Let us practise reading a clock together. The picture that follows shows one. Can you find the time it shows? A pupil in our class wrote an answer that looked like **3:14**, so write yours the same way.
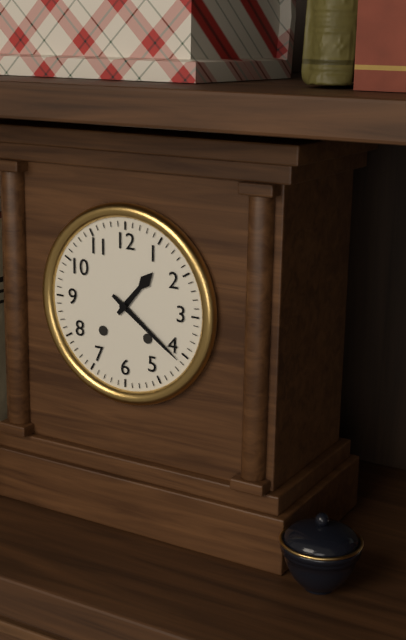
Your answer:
**1:21**
